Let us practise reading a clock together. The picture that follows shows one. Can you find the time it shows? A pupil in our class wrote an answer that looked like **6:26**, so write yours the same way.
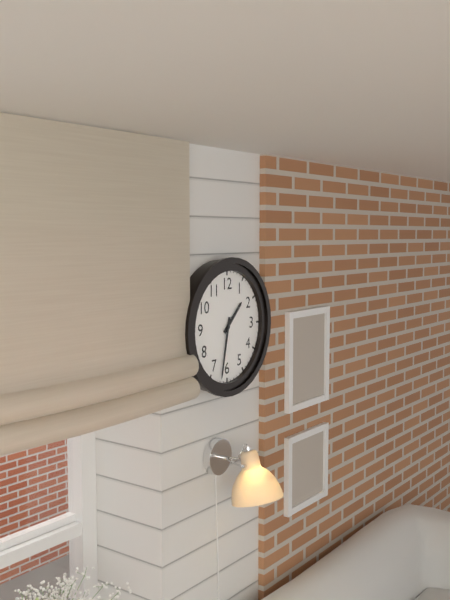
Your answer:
**1:32**
